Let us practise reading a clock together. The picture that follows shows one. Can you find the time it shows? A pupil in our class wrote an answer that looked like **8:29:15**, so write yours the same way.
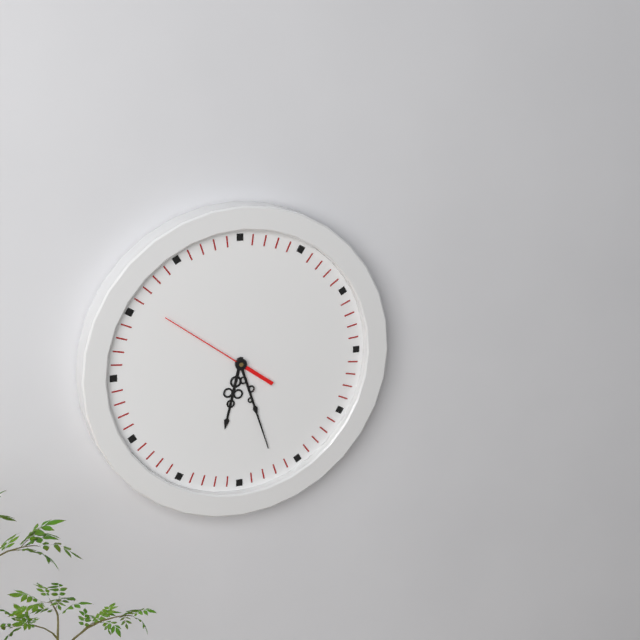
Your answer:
**6:27:51**
